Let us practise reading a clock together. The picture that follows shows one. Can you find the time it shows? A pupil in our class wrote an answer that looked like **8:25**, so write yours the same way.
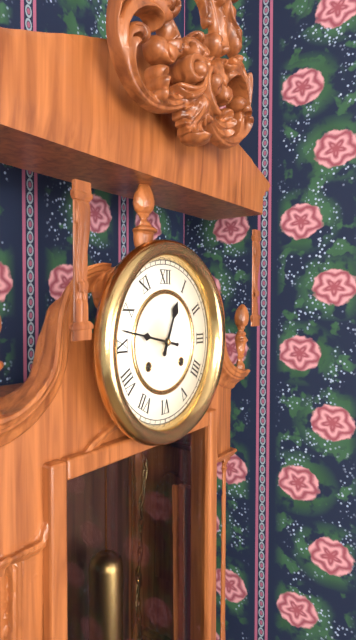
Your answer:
**12:47**
